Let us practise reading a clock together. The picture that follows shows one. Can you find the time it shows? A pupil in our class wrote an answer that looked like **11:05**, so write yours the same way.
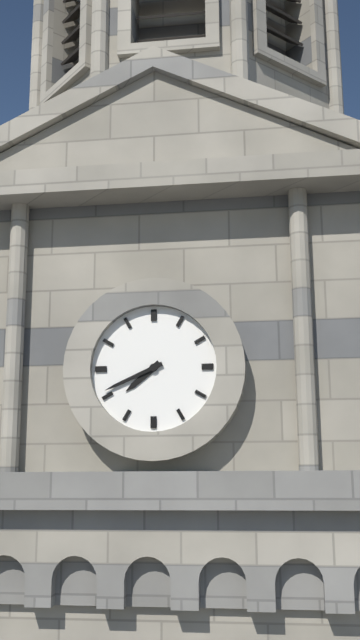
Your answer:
**7:41**
